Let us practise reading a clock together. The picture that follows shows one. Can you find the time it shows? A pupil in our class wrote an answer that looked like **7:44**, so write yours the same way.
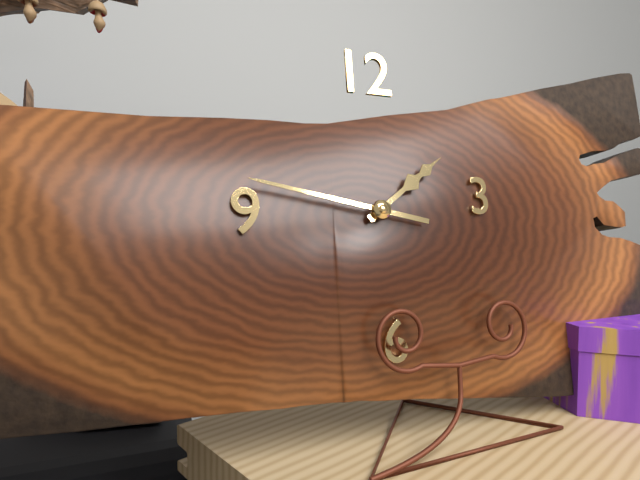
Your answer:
**1:47**
